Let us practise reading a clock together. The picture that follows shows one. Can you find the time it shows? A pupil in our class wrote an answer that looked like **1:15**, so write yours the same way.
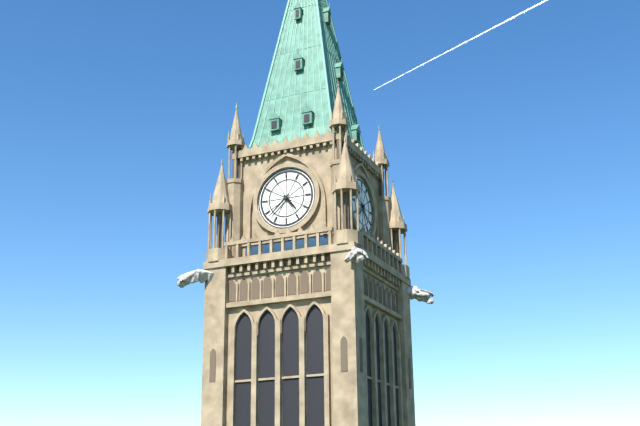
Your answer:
**4:38**
